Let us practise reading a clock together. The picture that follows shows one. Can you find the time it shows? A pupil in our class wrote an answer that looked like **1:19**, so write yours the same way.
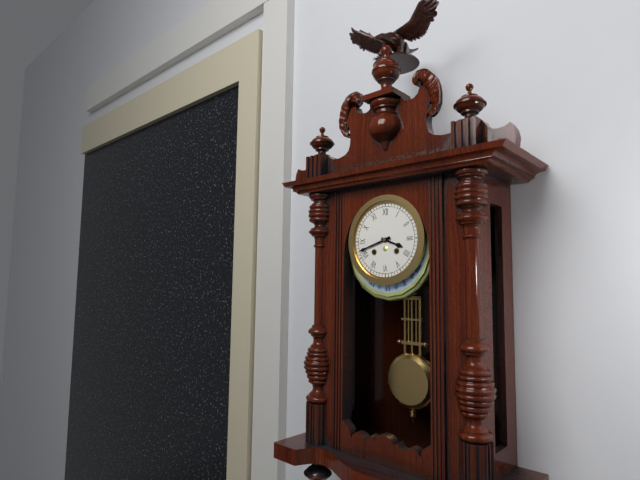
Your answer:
**3:42**
